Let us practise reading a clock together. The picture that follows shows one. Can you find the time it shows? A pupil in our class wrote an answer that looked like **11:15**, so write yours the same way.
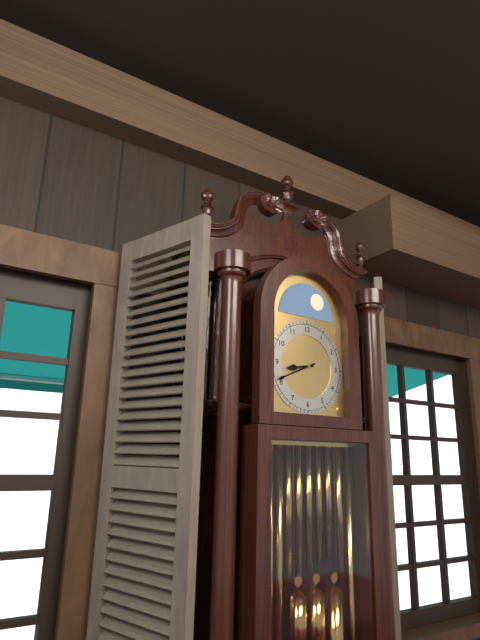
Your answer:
**8:41**
